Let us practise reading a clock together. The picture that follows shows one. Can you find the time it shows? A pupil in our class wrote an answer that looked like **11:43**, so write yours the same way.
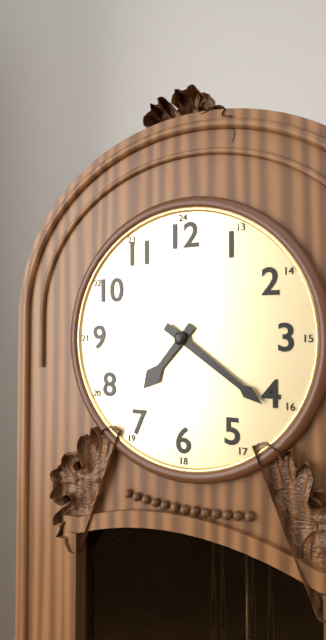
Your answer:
**7:21**
